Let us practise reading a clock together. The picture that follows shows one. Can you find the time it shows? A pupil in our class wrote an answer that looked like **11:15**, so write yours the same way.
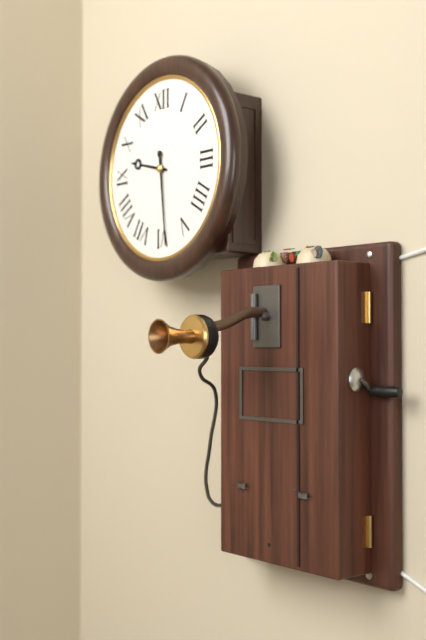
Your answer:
**9:29**
